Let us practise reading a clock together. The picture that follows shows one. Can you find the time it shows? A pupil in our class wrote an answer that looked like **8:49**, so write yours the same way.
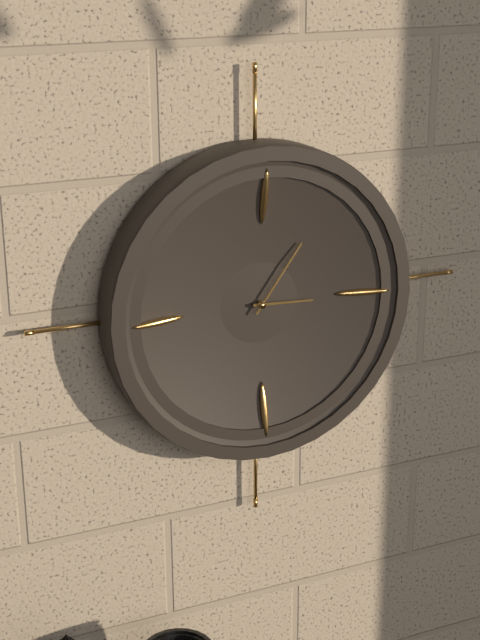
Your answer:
**3:06**
